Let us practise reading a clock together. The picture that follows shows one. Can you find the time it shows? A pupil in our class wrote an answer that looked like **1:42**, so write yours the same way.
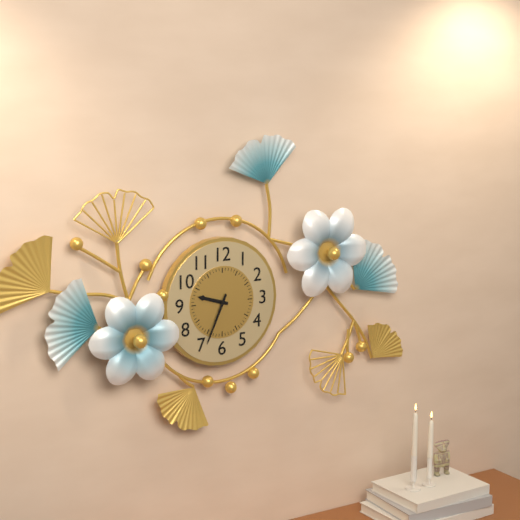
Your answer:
**9:34**
